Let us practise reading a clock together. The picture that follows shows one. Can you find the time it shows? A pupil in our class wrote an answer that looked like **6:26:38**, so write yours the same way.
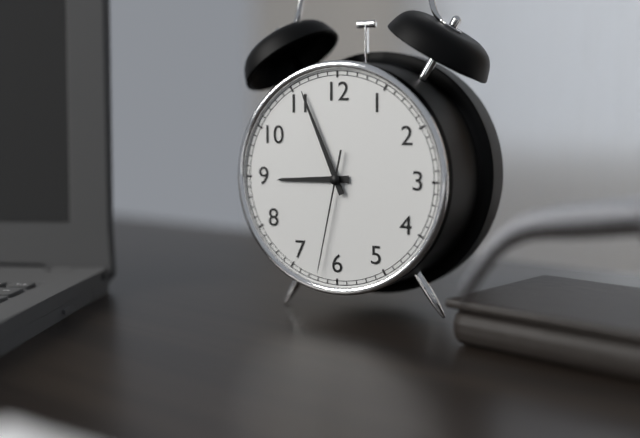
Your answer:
**8:56:32**
